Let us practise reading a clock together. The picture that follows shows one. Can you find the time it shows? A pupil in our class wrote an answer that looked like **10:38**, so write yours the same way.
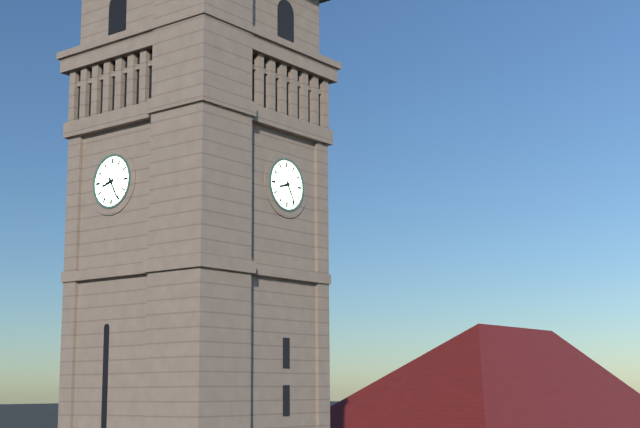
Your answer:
**8:25**
